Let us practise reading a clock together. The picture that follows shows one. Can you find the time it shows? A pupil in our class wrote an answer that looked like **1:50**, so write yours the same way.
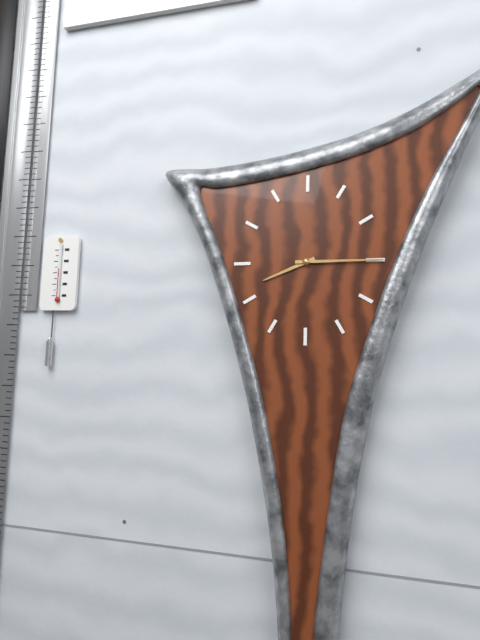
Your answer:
**8:15**
